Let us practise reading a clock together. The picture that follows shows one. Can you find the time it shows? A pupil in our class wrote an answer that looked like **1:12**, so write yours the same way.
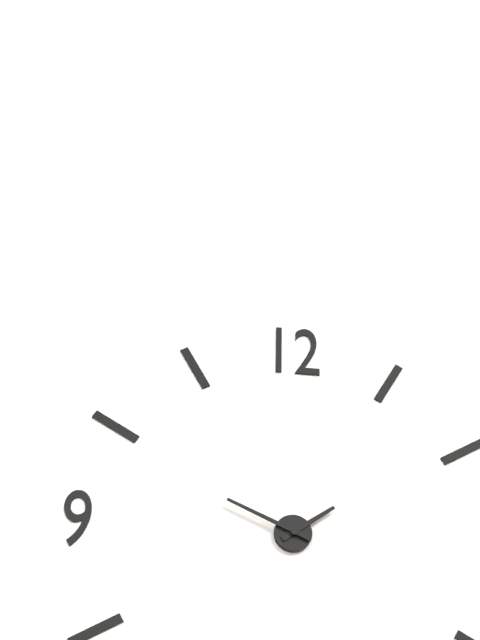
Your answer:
**1:49**
